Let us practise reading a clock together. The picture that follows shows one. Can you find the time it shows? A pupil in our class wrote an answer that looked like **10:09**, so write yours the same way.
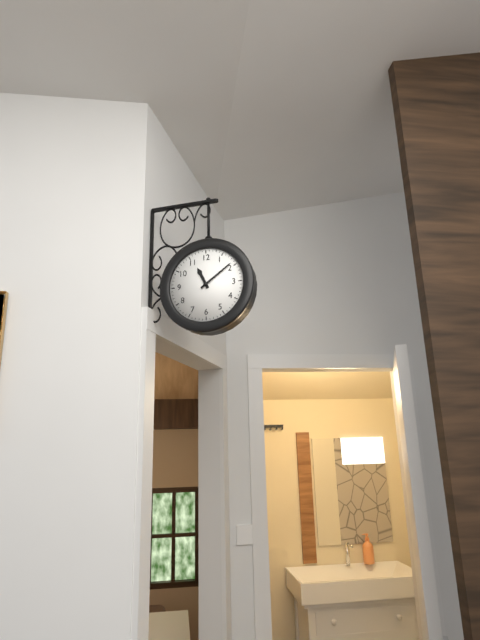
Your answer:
**11:09**
